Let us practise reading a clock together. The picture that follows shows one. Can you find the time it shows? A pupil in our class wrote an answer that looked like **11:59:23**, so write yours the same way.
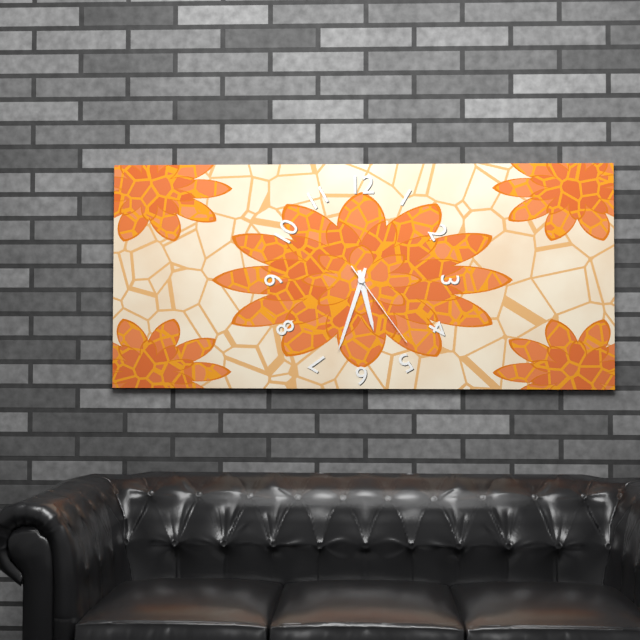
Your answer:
**5:33:24**
